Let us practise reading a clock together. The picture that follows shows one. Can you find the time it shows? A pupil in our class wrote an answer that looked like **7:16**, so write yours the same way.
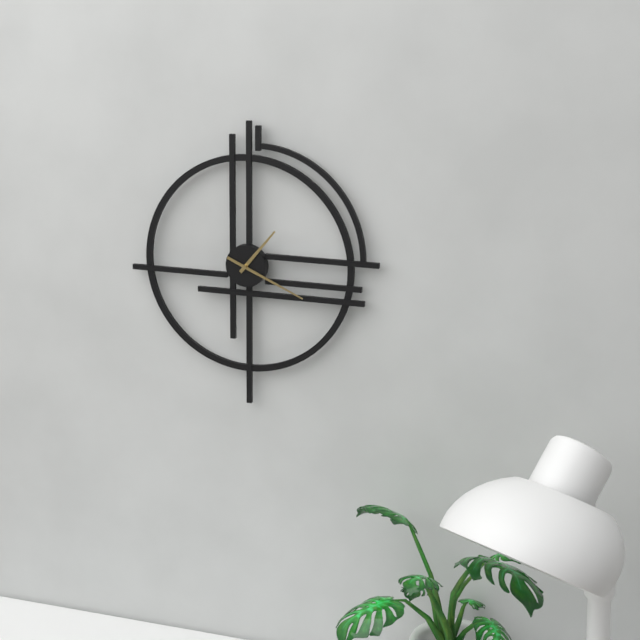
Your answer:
**1:19**
